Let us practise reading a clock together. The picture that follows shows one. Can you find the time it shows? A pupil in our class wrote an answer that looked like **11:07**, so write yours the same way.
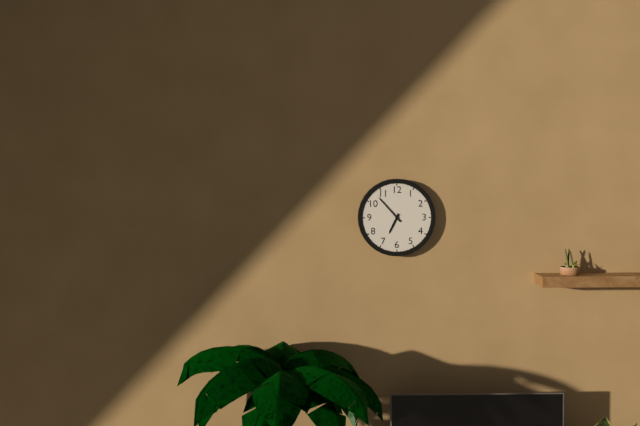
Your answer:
**6:53**
